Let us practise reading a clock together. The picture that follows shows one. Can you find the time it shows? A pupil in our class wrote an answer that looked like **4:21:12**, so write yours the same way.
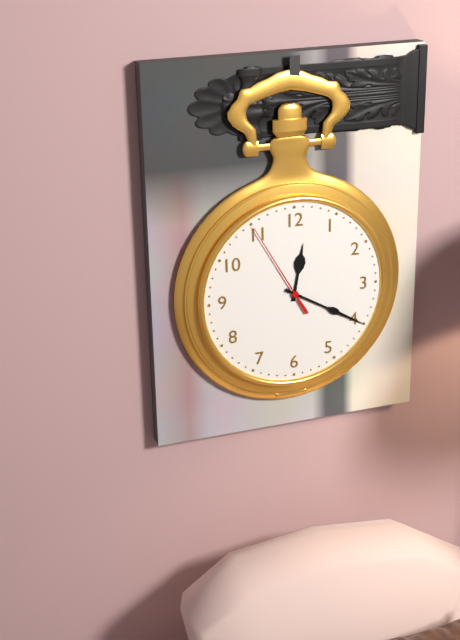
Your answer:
**12:20:55**
